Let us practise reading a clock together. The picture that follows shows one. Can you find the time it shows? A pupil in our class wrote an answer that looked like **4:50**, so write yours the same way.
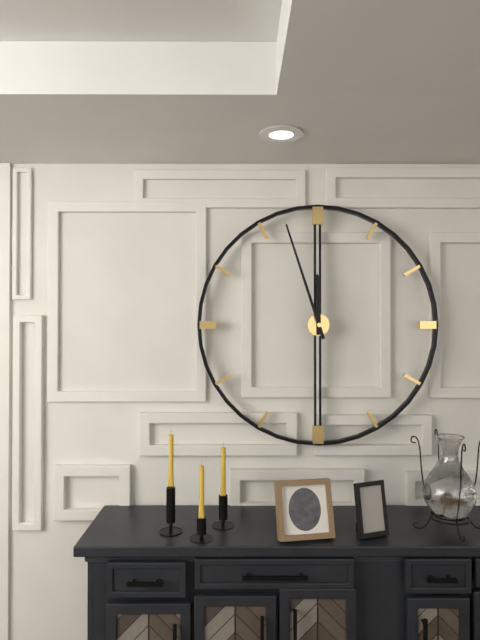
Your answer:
**11:57**
